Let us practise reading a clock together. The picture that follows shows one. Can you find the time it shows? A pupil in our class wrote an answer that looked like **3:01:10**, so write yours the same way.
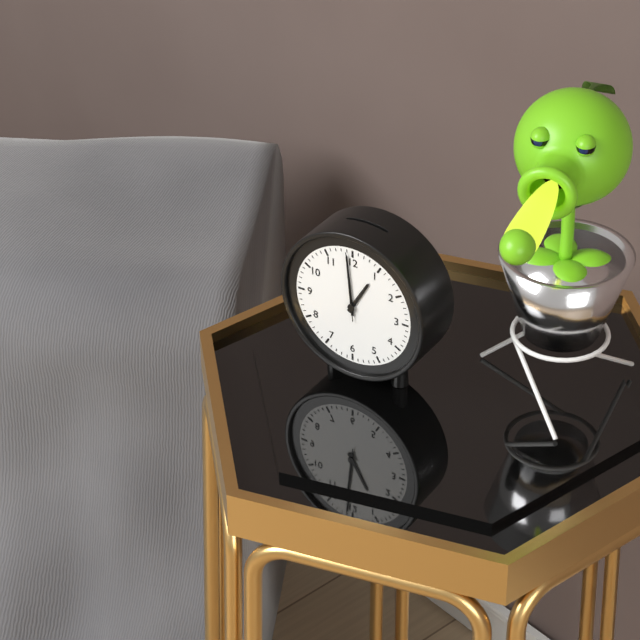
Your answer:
**12:59:59**
